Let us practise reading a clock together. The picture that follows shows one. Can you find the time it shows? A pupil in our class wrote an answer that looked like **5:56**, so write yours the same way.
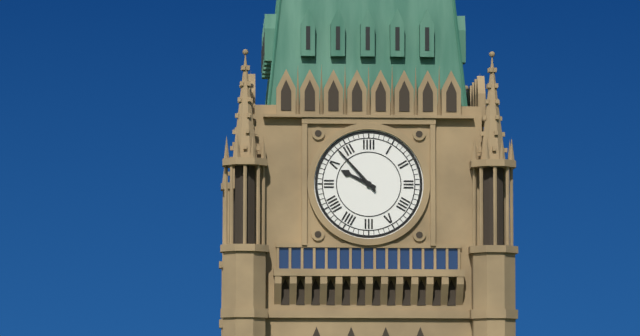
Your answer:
**9:53**
